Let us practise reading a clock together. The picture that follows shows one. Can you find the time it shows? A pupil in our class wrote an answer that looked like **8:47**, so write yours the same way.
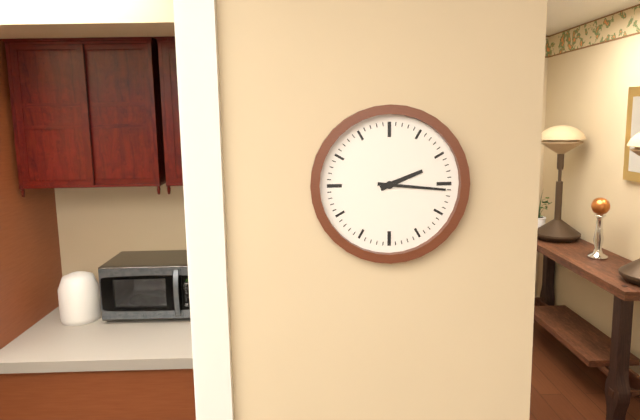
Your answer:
**2:16**
